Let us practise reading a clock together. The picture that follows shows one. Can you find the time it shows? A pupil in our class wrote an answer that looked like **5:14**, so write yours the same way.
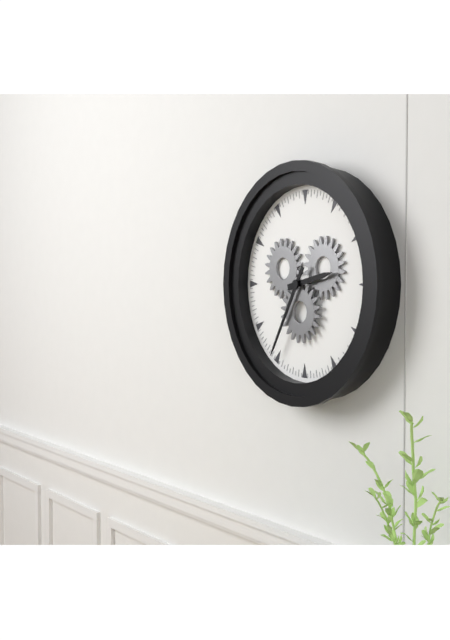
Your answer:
**2:35**
